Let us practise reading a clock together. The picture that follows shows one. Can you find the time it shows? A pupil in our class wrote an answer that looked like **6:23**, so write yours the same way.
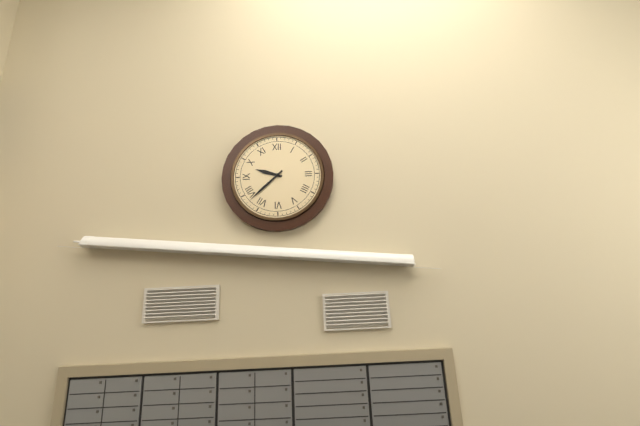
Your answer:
**9:38**
